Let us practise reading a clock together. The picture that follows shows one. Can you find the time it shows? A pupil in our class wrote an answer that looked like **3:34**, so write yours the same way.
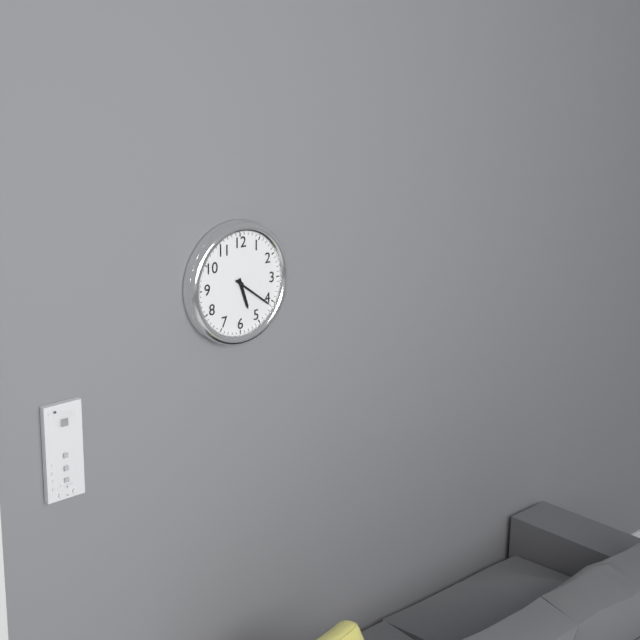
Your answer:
**5:21**
